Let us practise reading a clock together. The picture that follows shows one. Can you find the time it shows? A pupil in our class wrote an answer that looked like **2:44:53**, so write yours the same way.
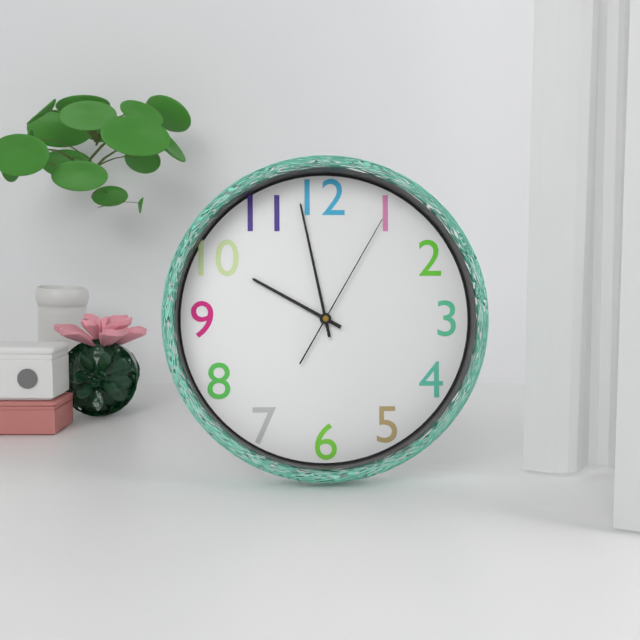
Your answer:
**9:58:05**
